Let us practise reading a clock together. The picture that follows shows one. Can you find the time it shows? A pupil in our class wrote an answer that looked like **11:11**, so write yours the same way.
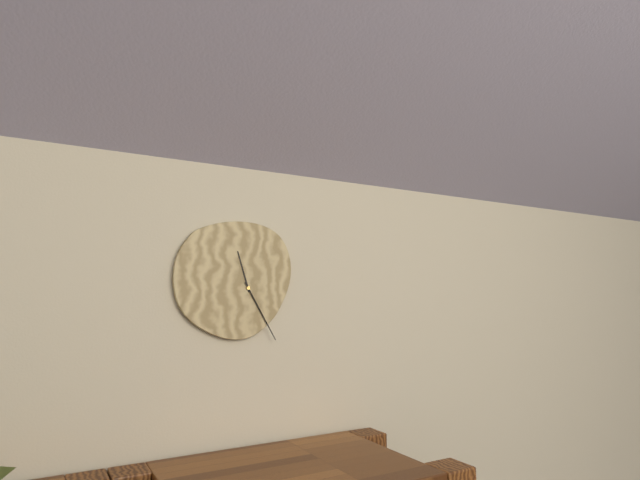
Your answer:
**11:25**
